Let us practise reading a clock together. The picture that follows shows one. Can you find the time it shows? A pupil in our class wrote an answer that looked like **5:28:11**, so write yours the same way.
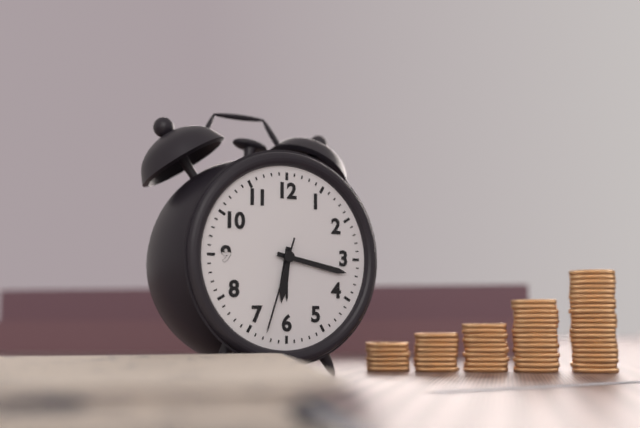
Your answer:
**6:17:33**
